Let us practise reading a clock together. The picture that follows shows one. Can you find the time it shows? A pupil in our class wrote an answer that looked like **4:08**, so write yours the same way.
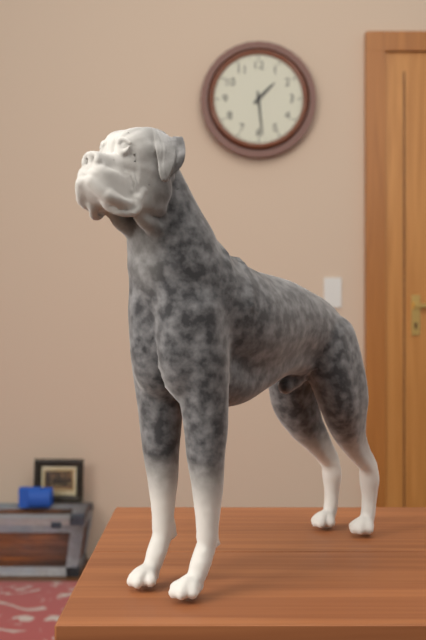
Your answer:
**1:29**
